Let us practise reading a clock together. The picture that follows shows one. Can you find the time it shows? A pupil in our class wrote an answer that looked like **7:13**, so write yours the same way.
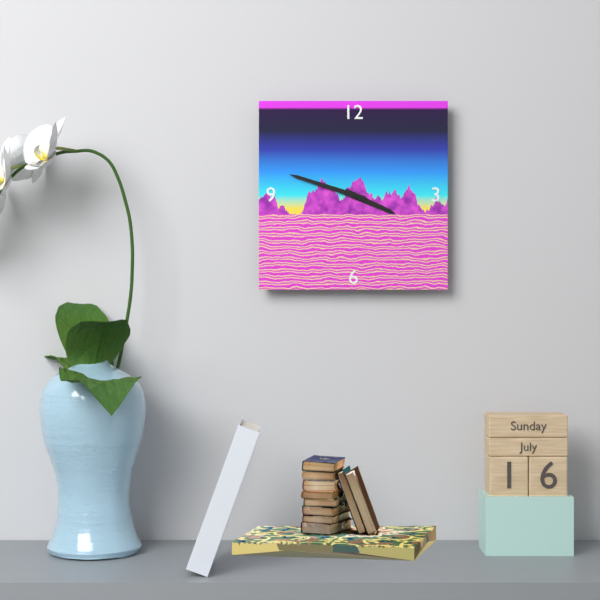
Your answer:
**3:48**
